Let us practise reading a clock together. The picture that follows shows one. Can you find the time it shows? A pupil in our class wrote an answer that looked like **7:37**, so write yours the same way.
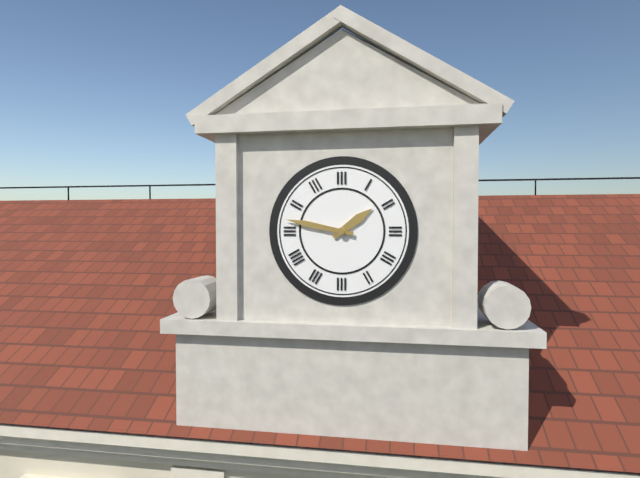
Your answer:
**1:47**
